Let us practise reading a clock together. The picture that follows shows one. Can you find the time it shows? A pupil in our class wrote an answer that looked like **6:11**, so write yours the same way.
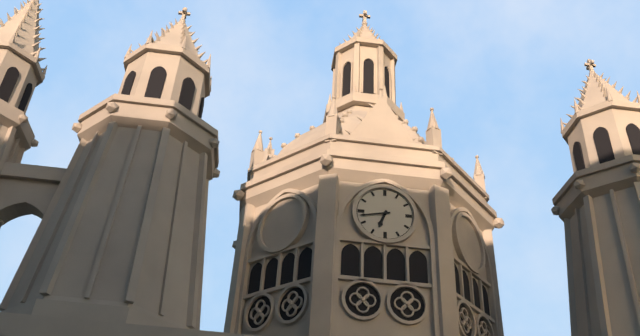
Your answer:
**6:43**
